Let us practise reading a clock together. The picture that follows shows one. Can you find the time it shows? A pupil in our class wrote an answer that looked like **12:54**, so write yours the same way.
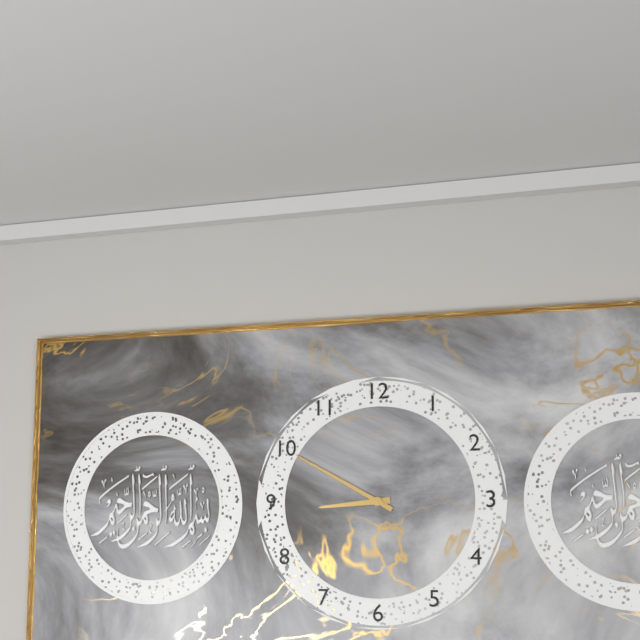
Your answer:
**8:50**
